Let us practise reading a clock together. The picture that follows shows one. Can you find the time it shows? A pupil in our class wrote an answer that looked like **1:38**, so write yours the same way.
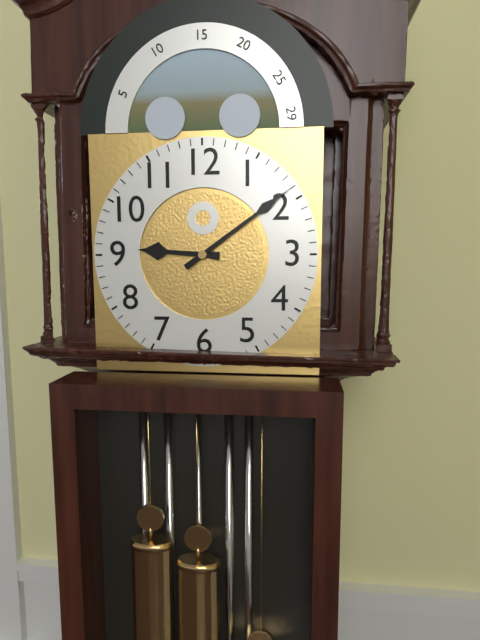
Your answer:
**9:09**
